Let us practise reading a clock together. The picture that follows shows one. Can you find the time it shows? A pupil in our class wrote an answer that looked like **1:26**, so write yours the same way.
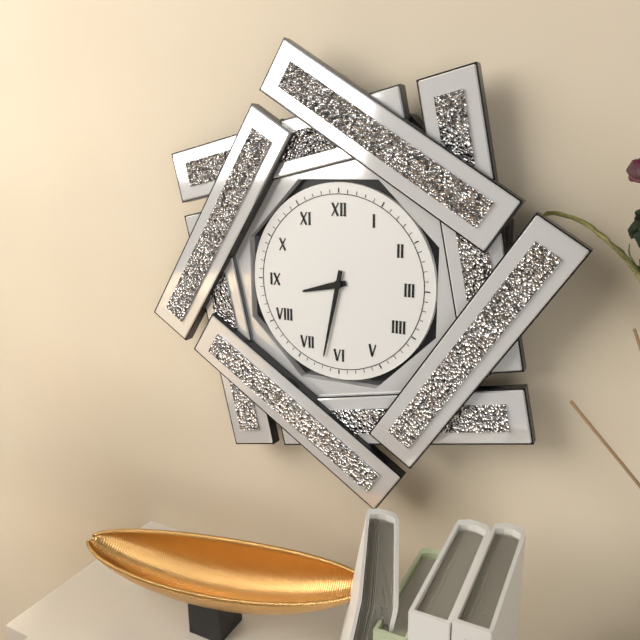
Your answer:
**8:32**
